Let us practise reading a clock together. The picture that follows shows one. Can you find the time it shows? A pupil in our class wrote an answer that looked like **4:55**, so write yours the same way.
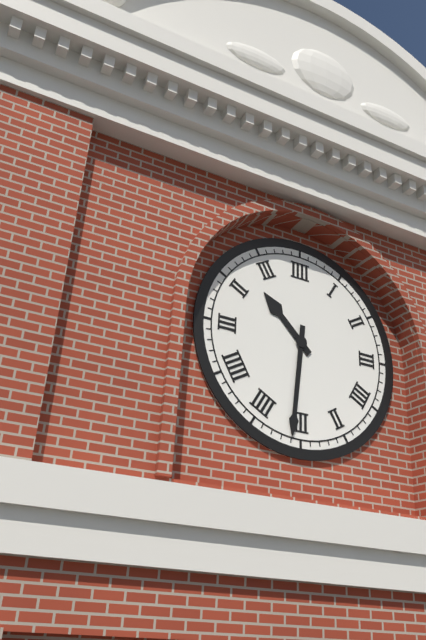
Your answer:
**10:31**
